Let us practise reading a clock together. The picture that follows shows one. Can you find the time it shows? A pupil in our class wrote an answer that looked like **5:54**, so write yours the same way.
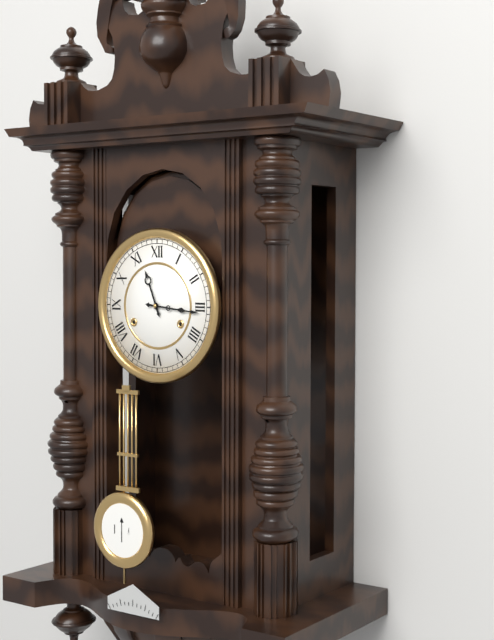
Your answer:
**11:16**
